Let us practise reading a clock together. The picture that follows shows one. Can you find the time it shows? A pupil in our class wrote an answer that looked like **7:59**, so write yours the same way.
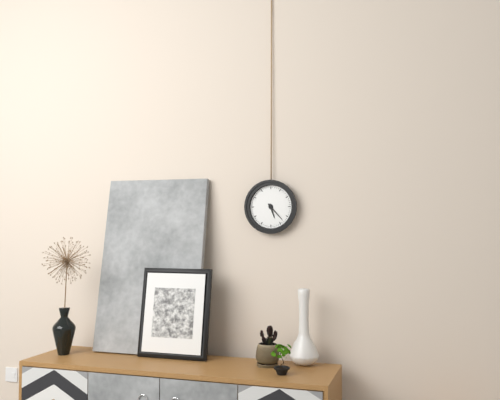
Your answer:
**5:23**
